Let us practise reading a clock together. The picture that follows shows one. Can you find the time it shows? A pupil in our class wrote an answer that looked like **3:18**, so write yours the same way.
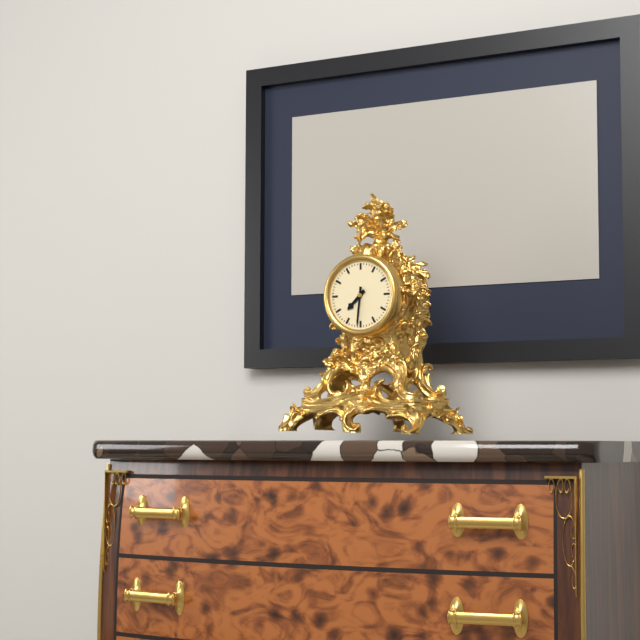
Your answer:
**7:31**
